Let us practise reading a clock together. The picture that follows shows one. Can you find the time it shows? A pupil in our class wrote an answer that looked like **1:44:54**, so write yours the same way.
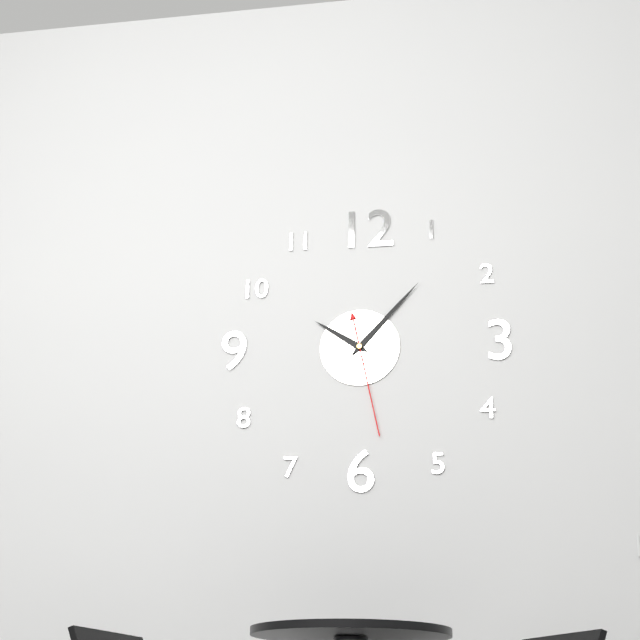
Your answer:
**10:07:28**
